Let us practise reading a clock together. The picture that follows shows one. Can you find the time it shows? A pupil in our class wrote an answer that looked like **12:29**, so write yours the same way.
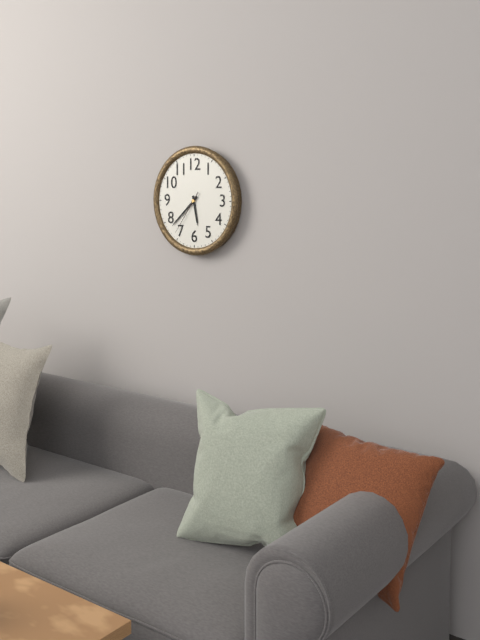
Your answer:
**5:38**
